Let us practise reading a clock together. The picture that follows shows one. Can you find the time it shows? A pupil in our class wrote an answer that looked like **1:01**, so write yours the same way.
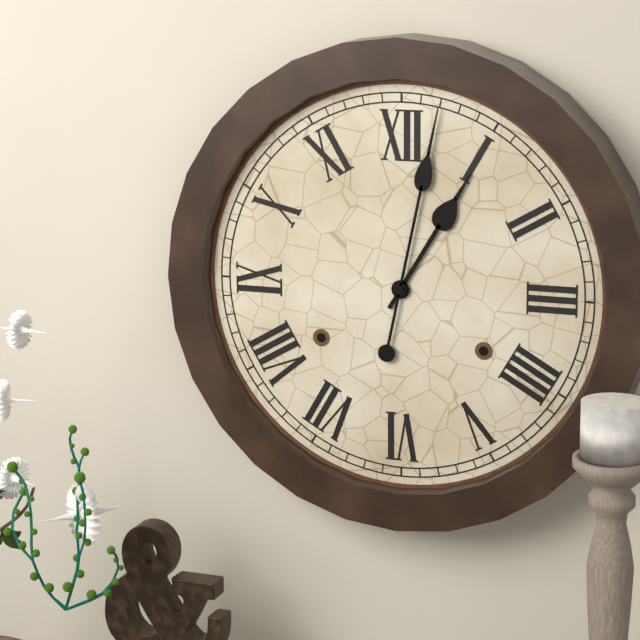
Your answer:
**1:02**
